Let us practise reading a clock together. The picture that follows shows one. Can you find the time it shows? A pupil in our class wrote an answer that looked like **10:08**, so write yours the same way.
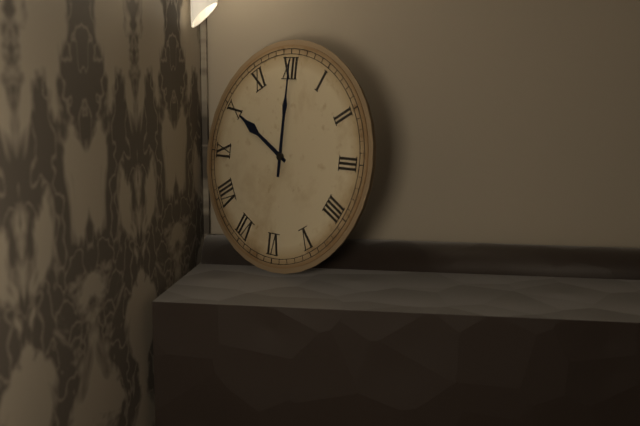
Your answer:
**10:00**
